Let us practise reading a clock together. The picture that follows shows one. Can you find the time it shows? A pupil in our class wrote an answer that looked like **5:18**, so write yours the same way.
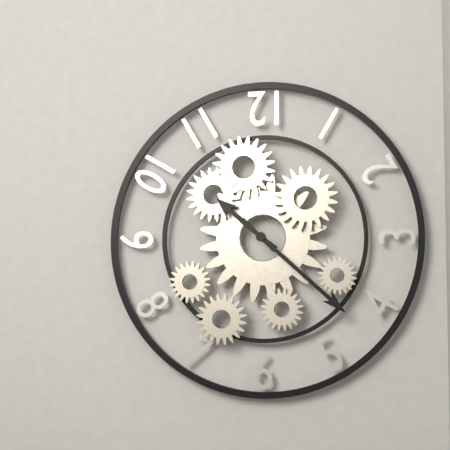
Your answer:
**10:22**
